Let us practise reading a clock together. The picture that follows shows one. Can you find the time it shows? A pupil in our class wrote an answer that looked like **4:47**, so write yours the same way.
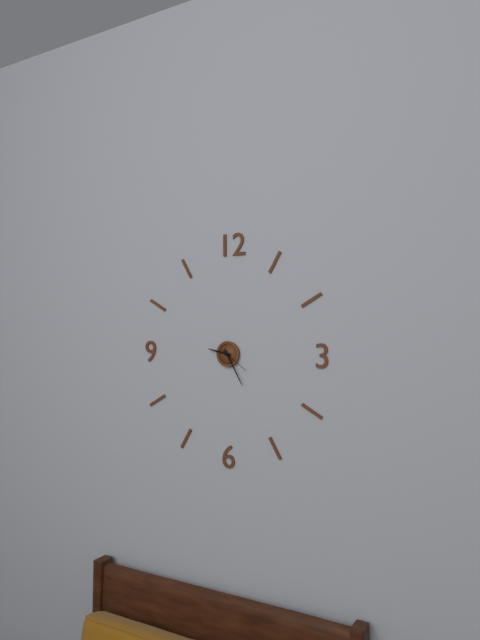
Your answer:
**9:25**
